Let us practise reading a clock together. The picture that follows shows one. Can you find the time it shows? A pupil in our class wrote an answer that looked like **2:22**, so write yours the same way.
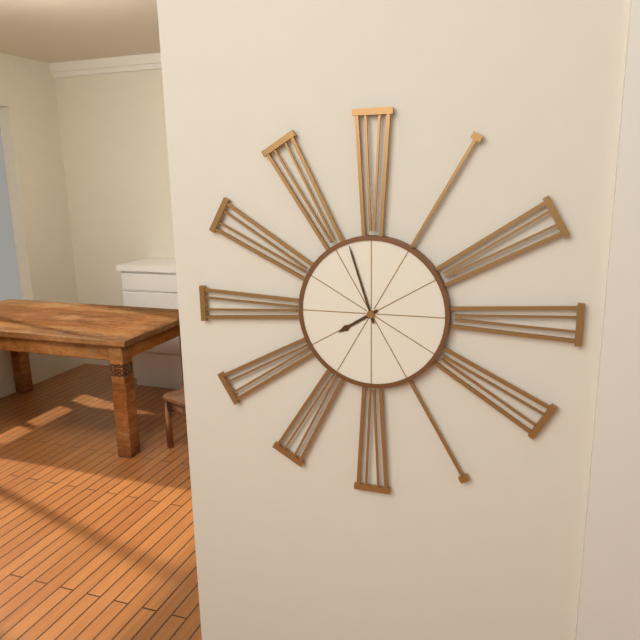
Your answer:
**7:57**
